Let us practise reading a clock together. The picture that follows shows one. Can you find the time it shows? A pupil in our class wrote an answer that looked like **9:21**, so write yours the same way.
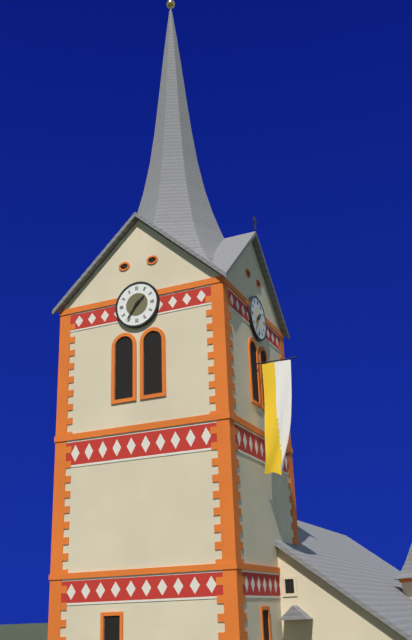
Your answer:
**1:36**
